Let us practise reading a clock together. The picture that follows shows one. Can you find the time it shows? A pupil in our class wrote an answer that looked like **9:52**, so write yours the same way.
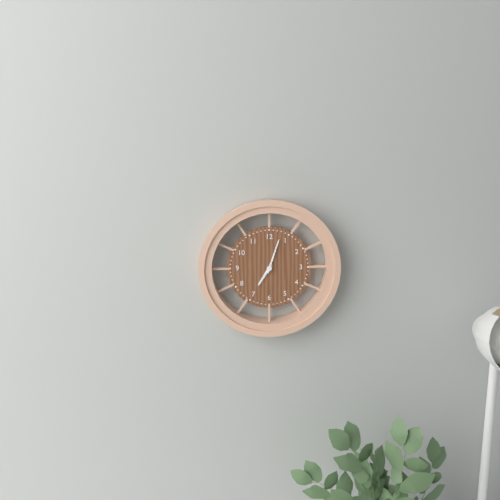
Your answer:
**7:03**
